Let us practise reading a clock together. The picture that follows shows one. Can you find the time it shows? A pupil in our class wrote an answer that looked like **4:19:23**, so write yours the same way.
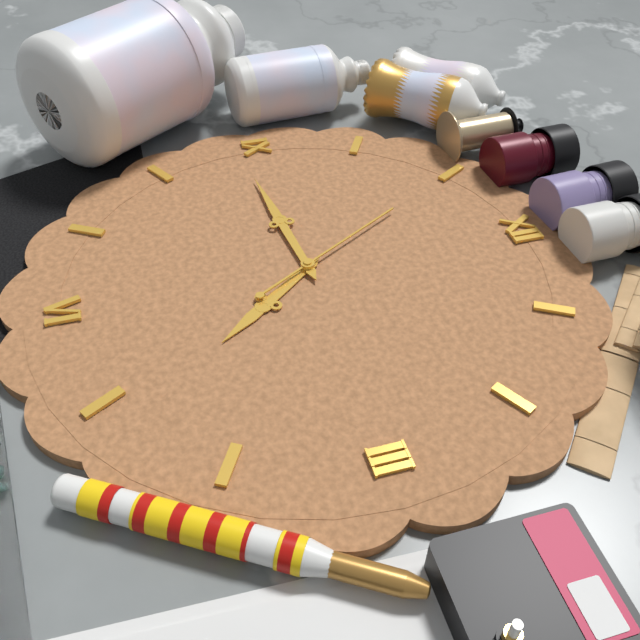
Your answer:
**4:44:55**
